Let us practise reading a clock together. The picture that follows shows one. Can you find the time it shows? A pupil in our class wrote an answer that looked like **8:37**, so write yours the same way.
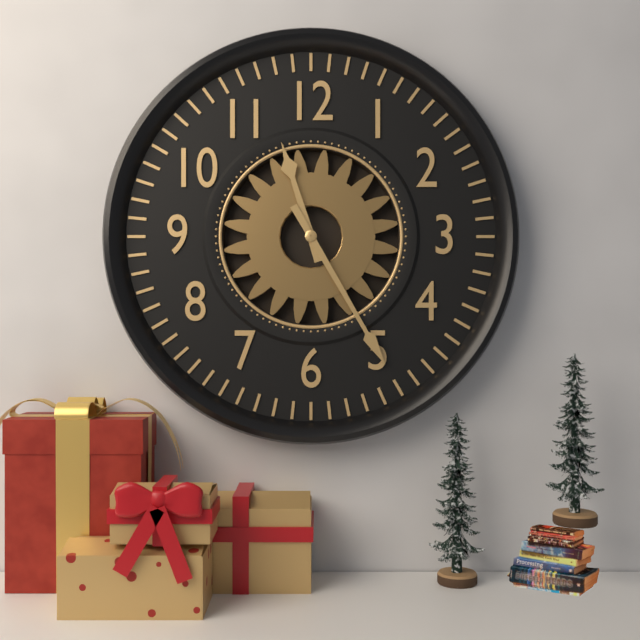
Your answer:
**11:25**
